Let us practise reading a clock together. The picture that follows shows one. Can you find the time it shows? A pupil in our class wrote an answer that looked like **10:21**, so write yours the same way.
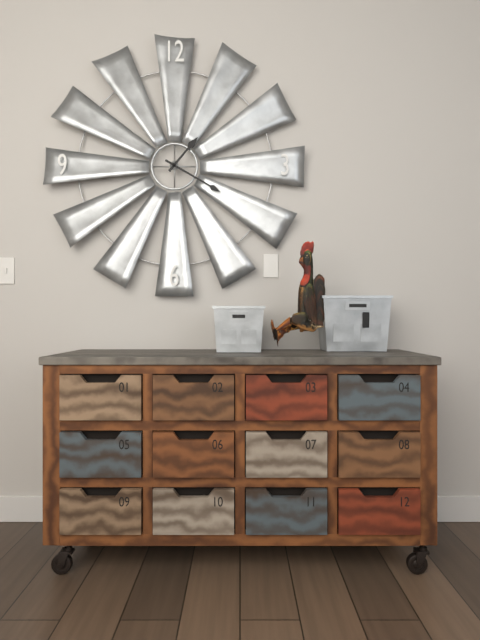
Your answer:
**1:20**
